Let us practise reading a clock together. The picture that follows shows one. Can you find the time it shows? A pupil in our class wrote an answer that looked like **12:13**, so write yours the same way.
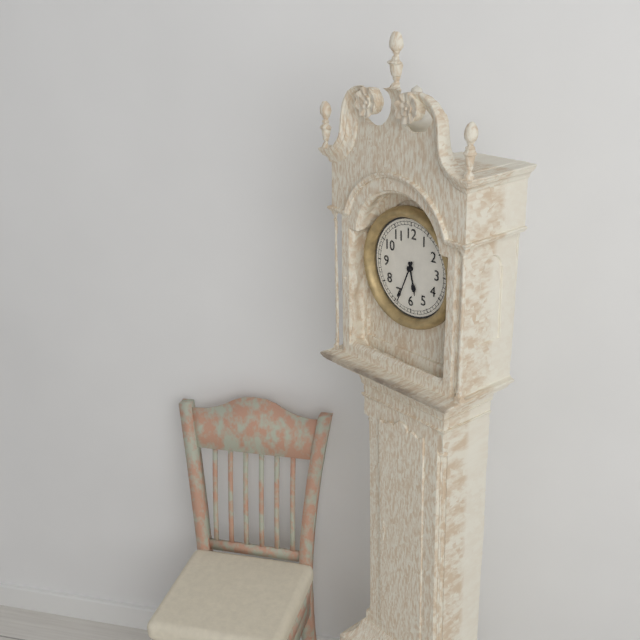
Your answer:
**5:34**
